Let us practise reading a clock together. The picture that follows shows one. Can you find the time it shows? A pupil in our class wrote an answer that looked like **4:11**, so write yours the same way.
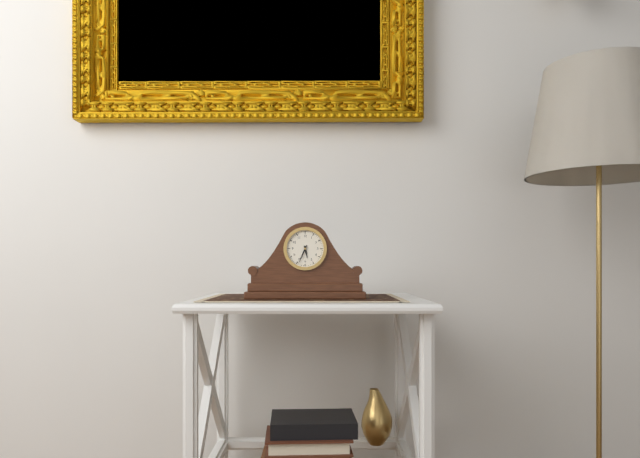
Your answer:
**5:34**
